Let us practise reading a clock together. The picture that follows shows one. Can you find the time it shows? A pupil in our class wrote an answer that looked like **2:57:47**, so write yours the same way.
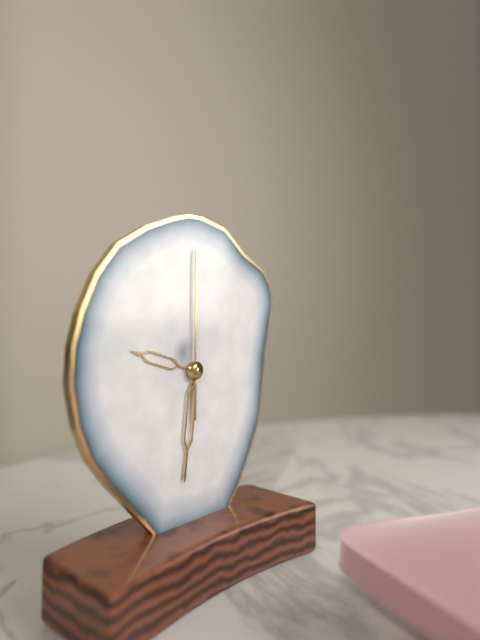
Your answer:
**9:31:00**
